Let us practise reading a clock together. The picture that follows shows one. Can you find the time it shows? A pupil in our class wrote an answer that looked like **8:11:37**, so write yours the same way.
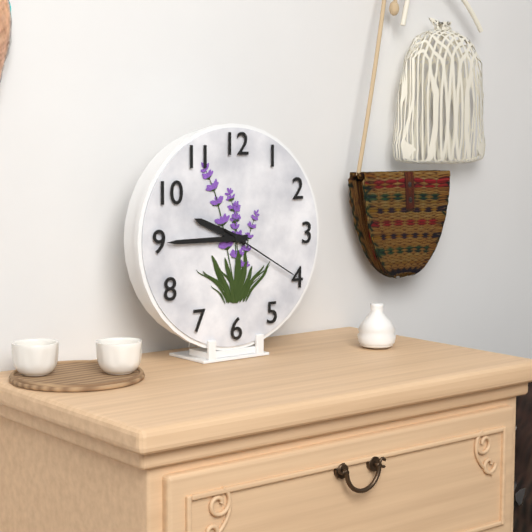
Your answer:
**9:45:20**
